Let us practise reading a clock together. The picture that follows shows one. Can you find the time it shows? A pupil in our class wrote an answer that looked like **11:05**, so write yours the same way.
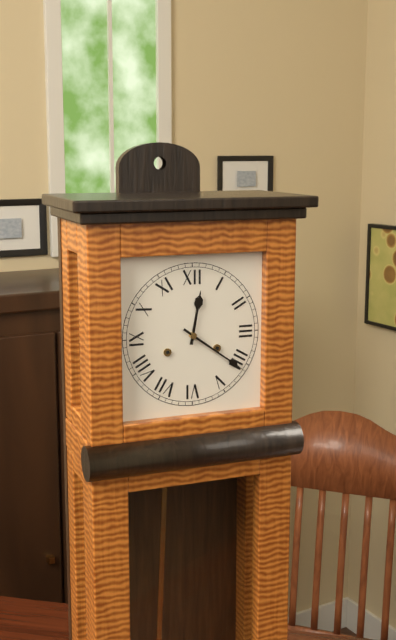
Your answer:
**12:21**
